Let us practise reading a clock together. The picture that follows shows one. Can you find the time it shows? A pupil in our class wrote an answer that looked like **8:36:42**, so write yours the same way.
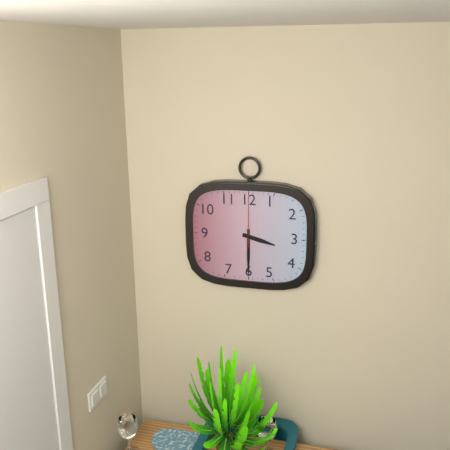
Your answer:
**3:30:00**
